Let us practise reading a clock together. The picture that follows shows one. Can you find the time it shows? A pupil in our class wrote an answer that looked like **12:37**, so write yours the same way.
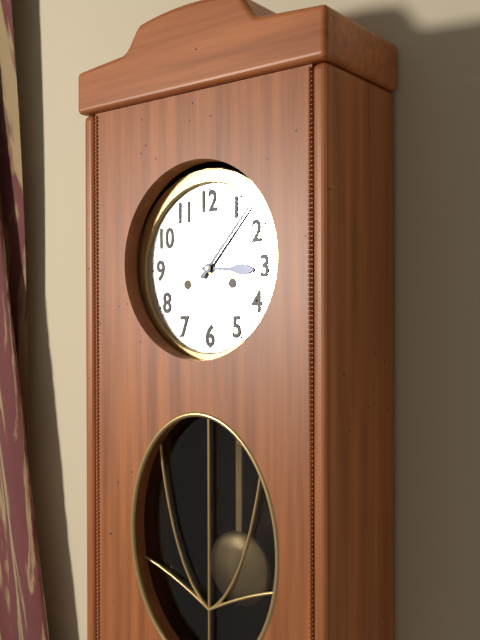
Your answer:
**3:07**
